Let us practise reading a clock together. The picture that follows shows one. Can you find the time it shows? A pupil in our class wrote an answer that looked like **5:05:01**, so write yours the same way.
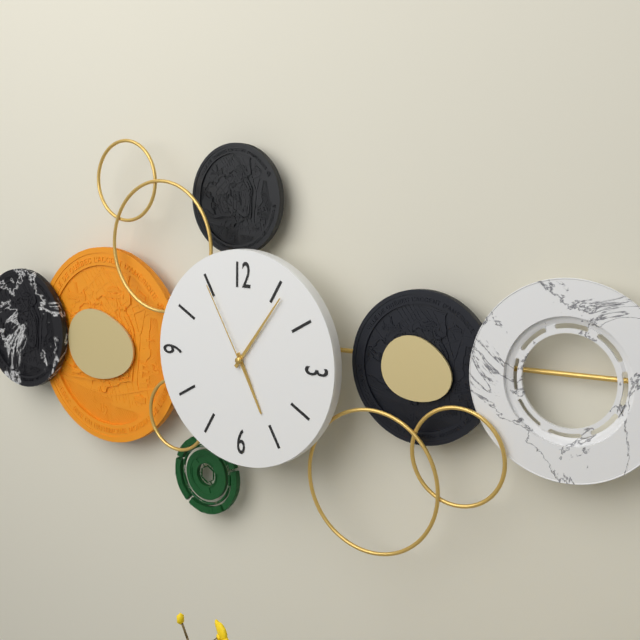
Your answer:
**5:06:55**
